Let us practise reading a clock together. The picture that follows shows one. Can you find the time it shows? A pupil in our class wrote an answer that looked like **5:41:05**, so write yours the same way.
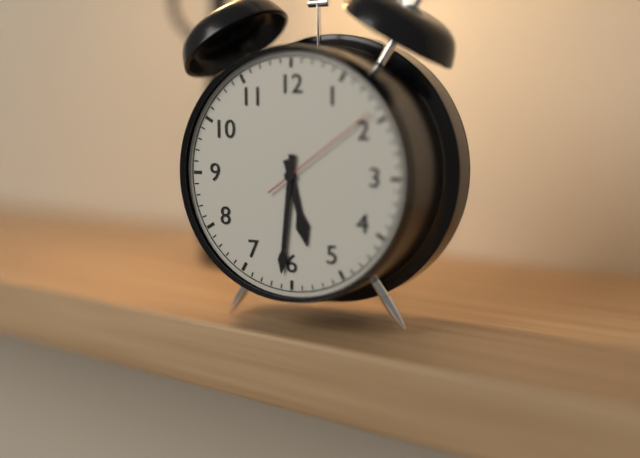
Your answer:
**5:31:09**
